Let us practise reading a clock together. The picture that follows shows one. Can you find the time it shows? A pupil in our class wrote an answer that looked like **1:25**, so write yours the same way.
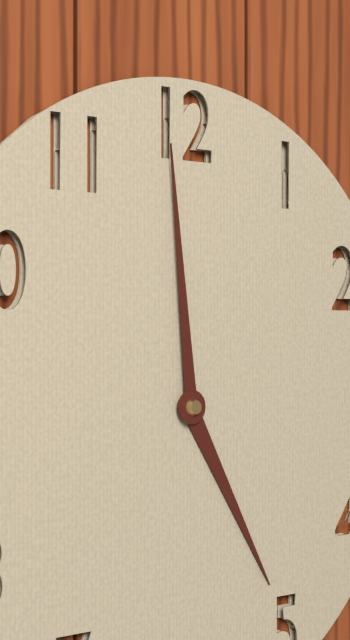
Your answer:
**4:59**
